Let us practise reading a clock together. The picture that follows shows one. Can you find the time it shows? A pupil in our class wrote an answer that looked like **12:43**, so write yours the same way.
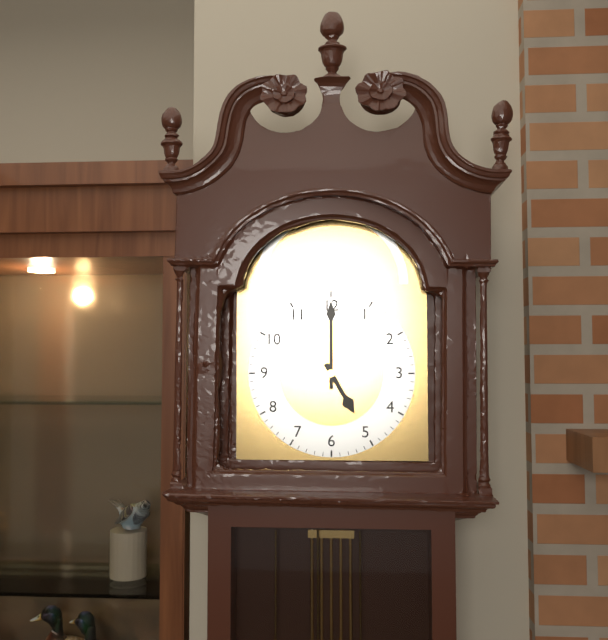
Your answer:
**5:00**
